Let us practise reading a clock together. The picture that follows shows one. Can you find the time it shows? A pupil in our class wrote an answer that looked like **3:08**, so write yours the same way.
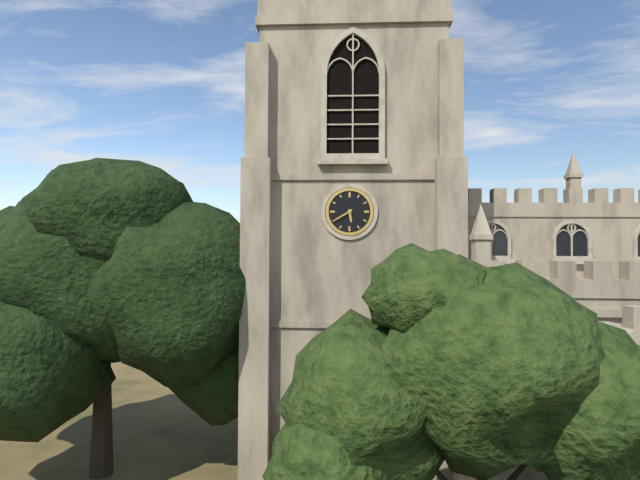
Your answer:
**5:40**
